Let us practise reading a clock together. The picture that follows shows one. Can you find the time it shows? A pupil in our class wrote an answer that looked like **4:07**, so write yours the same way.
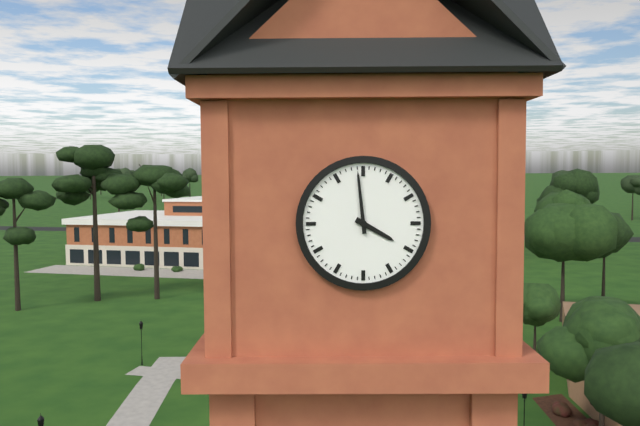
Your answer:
**3:59**
